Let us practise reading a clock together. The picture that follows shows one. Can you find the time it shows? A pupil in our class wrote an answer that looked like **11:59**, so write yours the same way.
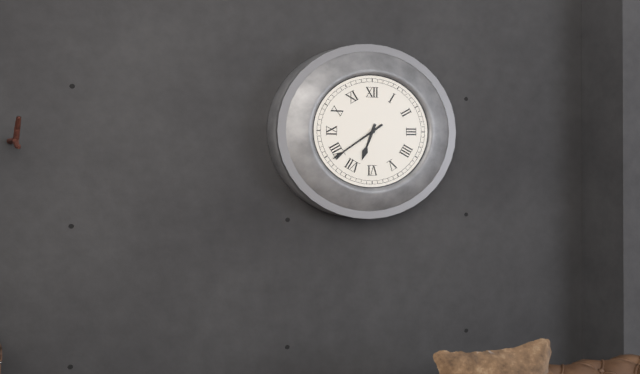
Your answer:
**6:39**
